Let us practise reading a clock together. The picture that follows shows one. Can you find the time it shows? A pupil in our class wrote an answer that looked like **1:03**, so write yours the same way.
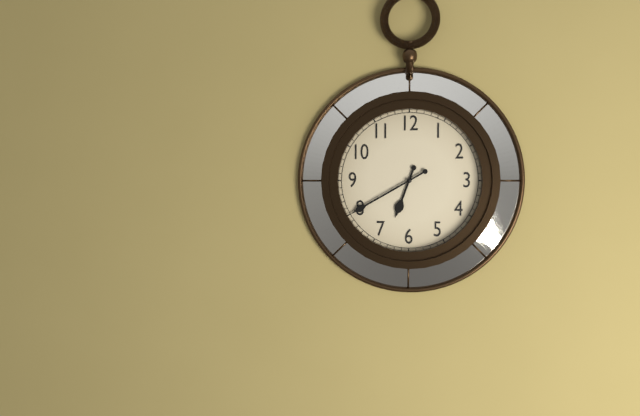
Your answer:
**6:40**
